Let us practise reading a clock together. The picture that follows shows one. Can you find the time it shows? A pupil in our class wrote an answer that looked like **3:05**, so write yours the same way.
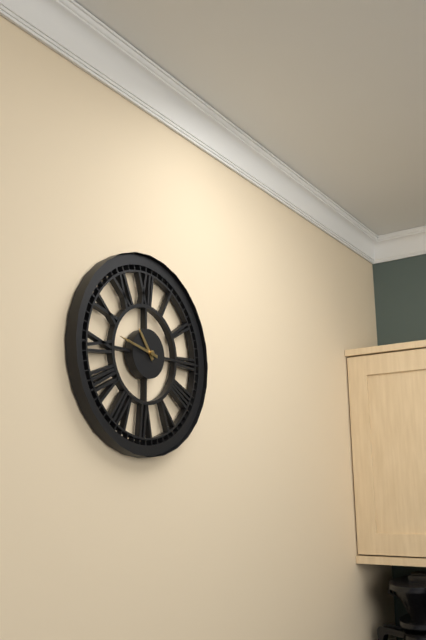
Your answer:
**10:47**
